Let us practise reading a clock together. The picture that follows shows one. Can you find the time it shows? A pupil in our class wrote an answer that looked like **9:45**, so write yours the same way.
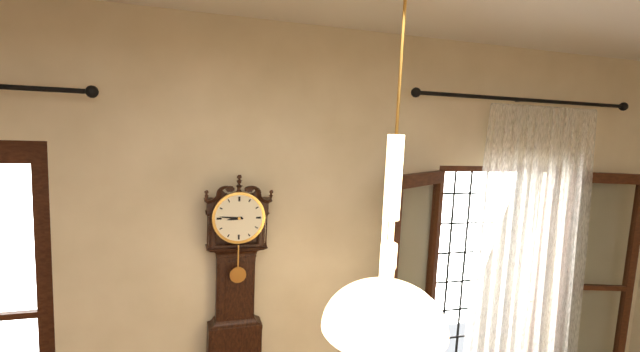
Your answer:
**8:46**
